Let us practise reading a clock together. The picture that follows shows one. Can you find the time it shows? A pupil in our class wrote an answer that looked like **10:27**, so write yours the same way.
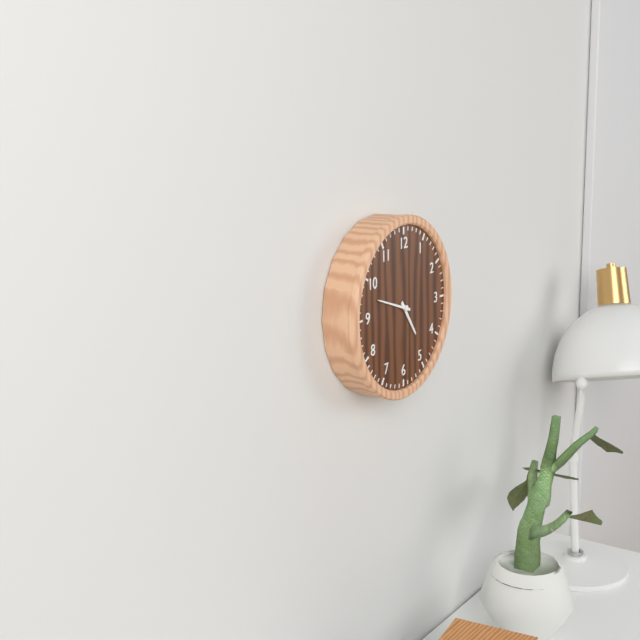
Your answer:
**4:48**
